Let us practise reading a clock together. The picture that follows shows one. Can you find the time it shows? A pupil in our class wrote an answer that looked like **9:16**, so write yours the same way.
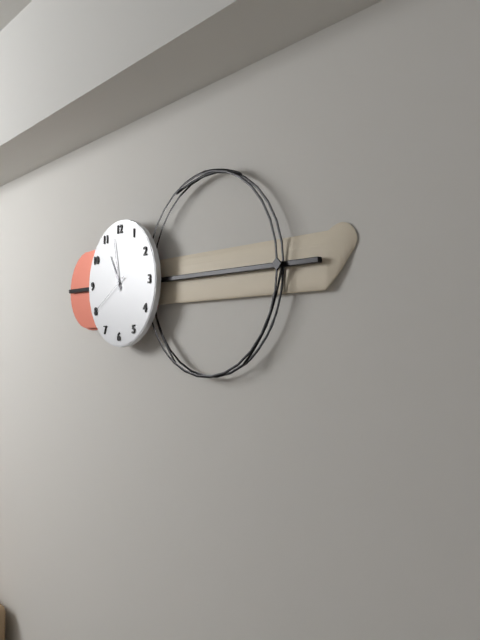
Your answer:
**10:58**
